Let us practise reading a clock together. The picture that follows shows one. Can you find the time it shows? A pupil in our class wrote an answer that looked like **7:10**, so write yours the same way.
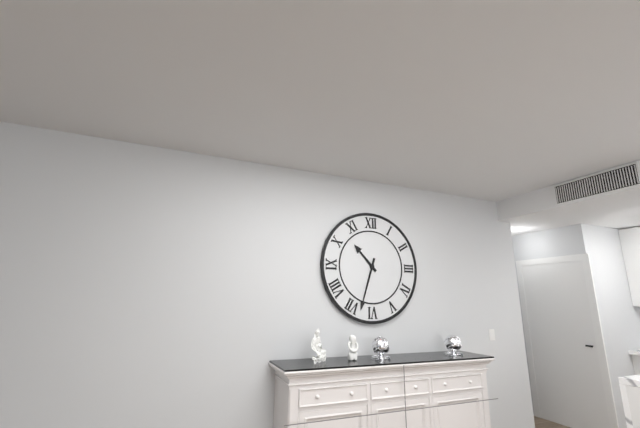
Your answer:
**10:33**
